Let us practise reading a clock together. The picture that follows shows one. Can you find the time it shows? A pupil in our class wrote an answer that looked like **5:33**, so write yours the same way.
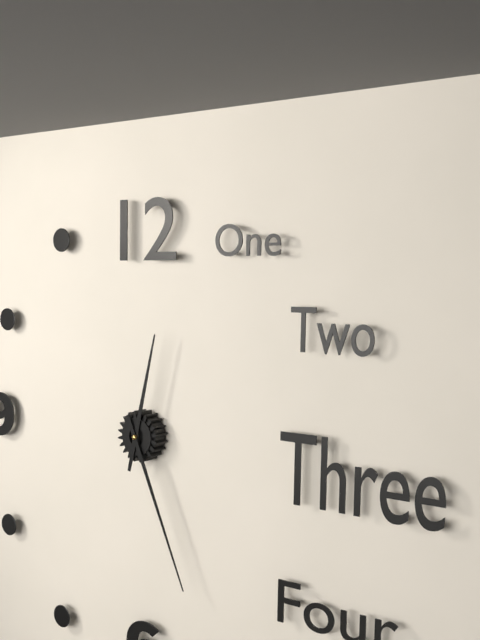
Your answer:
**12:26**
